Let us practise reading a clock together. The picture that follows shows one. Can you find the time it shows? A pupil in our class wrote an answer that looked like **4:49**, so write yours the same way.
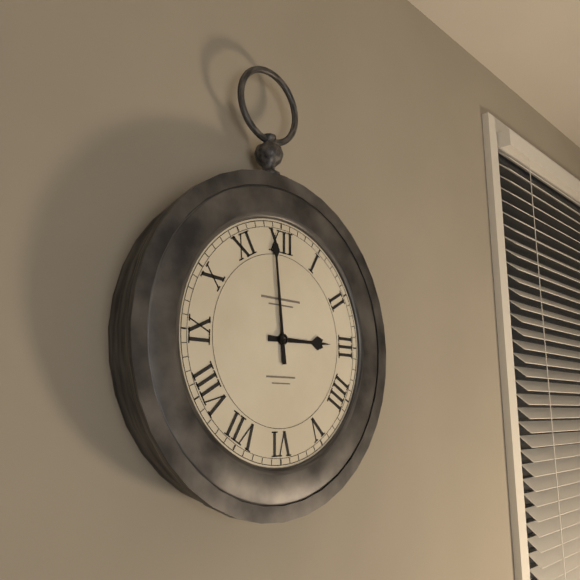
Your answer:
**2:59**
